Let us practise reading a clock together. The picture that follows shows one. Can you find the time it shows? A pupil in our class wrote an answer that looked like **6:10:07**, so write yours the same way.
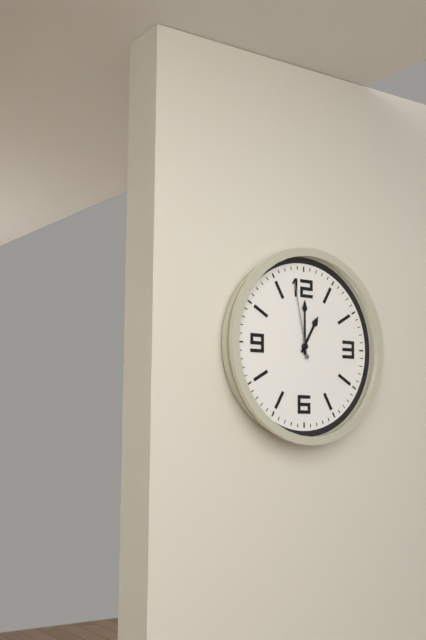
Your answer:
**1:00:58**
